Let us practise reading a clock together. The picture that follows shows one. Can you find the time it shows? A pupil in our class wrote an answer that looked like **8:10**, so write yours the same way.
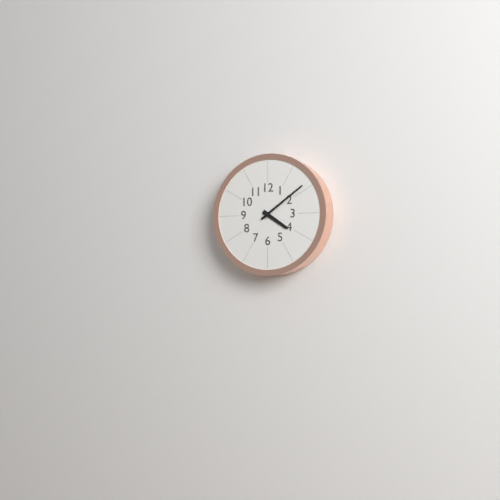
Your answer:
**4:09**
